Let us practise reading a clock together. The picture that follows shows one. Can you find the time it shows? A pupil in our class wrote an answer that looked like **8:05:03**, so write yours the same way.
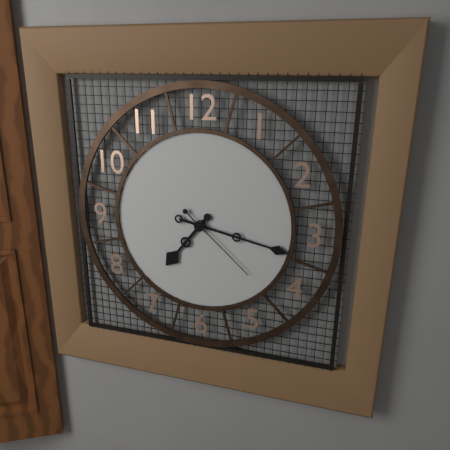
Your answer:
**7:17:22**
